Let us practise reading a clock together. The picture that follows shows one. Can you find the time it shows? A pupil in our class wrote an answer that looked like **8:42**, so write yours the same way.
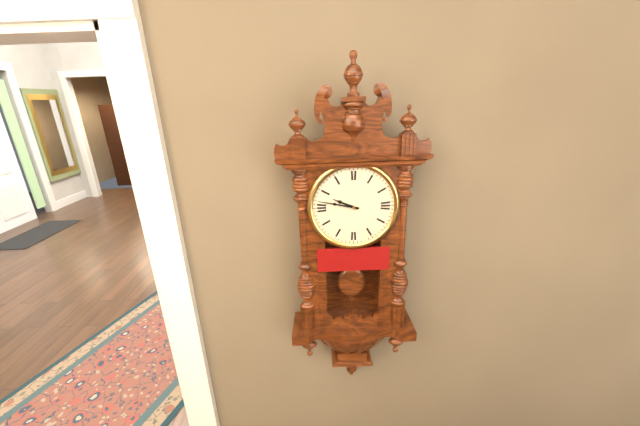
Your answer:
**9:47**
